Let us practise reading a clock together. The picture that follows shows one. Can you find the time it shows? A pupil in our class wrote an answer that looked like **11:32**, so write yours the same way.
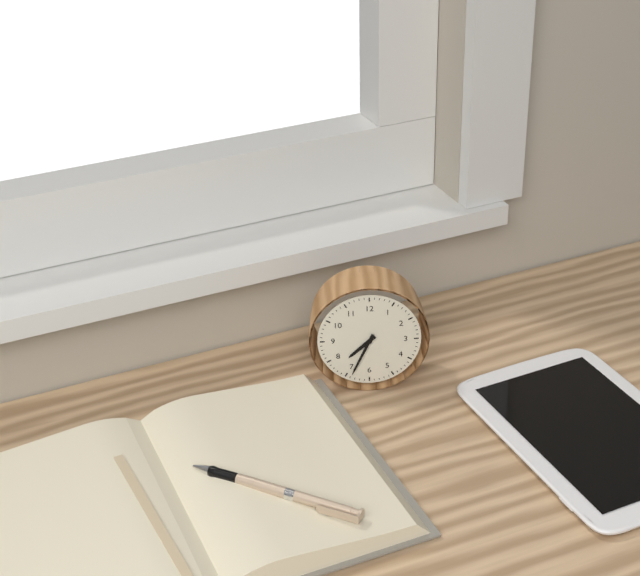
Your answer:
**7:34**
